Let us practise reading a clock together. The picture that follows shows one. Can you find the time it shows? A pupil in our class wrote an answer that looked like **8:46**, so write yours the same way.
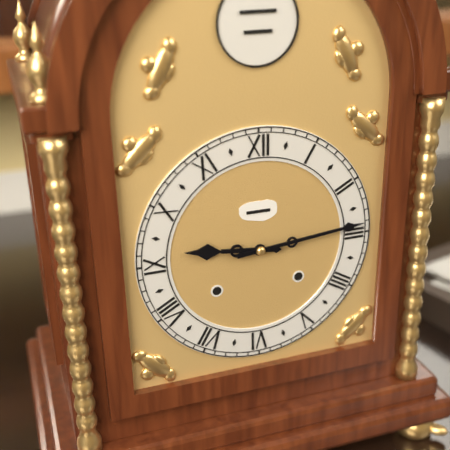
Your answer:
**9:14**
